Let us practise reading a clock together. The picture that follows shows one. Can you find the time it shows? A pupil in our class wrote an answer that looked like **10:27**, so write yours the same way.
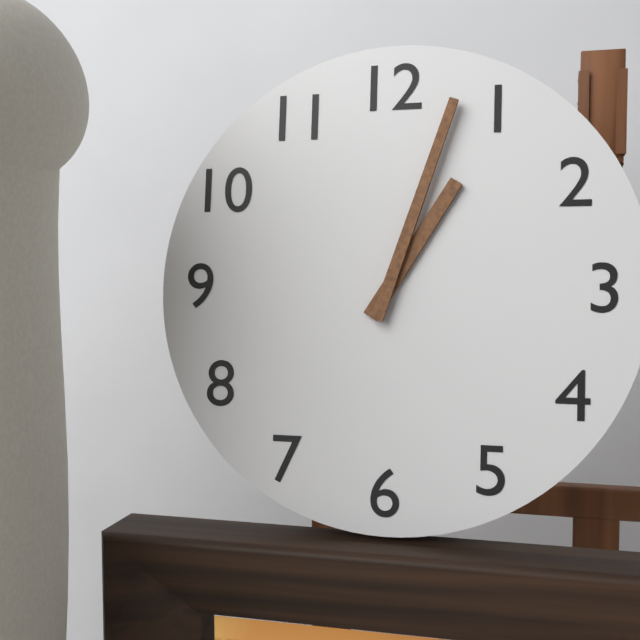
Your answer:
**1:03**
